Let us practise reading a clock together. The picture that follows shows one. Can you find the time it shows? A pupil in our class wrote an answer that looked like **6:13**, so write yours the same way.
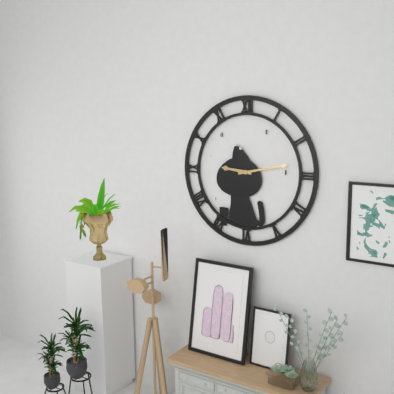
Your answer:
**9:13**
